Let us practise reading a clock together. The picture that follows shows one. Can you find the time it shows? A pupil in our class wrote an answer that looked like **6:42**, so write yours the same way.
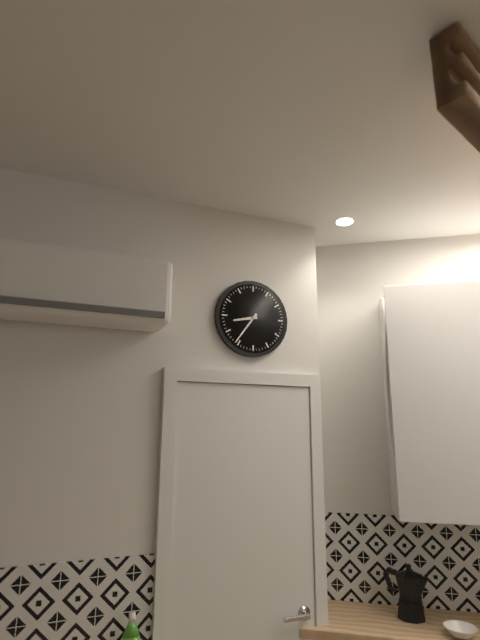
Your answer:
**8:36**
